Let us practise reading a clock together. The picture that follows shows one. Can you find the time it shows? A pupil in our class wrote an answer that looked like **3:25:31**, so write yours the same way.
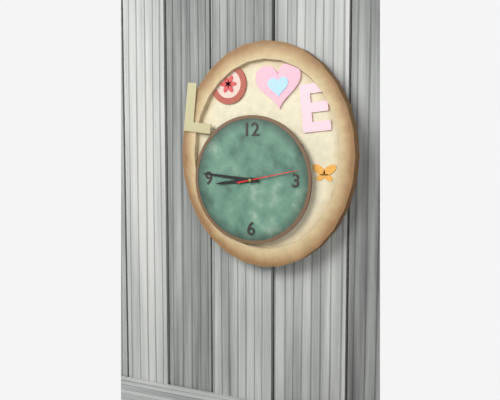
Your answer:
**8:46:13**
